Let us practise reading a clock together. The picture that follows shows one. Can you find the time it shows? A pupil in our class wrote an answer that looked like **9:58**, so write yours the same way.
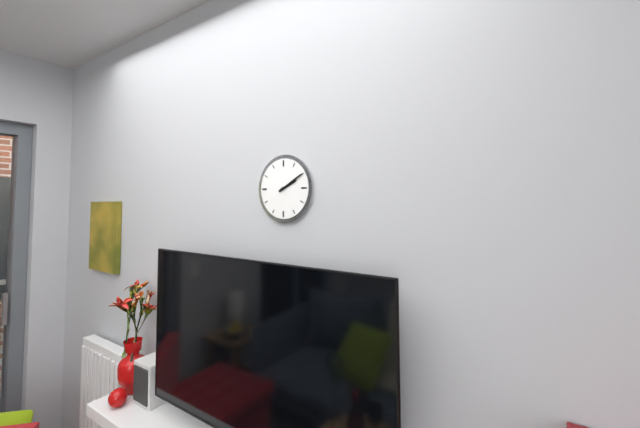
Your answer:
**2:10**
